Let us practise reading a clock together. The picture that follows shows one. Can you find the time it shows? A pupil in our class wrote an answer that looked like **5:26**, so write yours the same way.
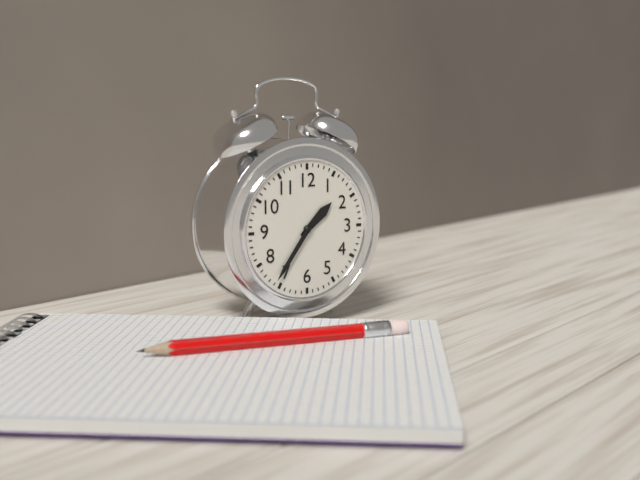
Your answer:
**1:36**
